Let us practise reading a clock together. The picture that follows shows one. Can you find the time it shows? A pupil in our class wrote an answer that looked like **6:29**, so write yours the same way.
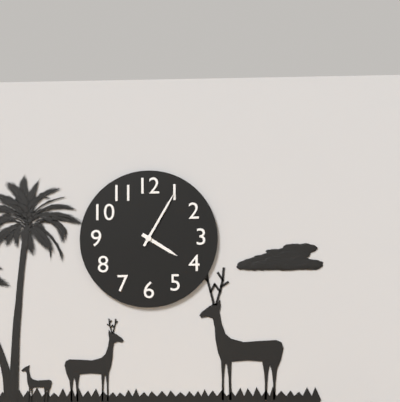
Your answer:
**4:05**
